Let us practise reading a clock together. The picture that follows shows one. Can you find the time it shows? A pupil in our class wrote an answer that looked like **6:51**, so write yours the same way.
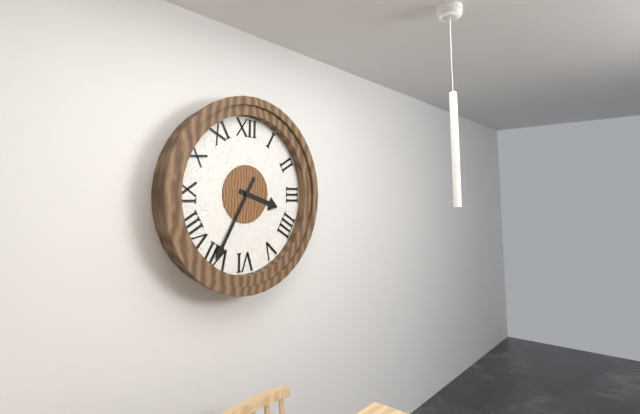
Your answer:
**3:35**
